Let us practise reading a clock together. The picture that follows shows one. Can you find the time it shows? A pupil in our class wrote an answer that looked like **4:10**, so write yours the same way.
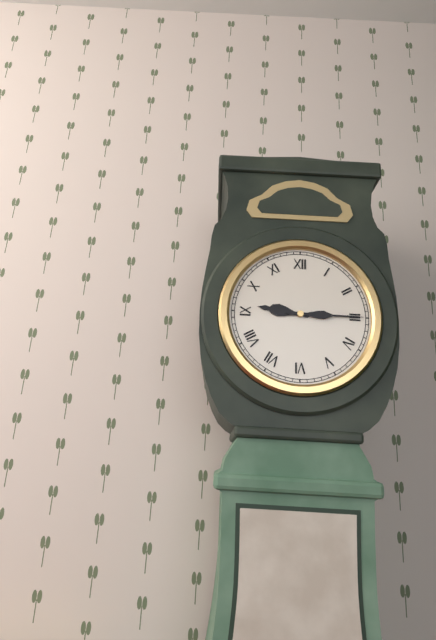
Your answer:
**9:15**
